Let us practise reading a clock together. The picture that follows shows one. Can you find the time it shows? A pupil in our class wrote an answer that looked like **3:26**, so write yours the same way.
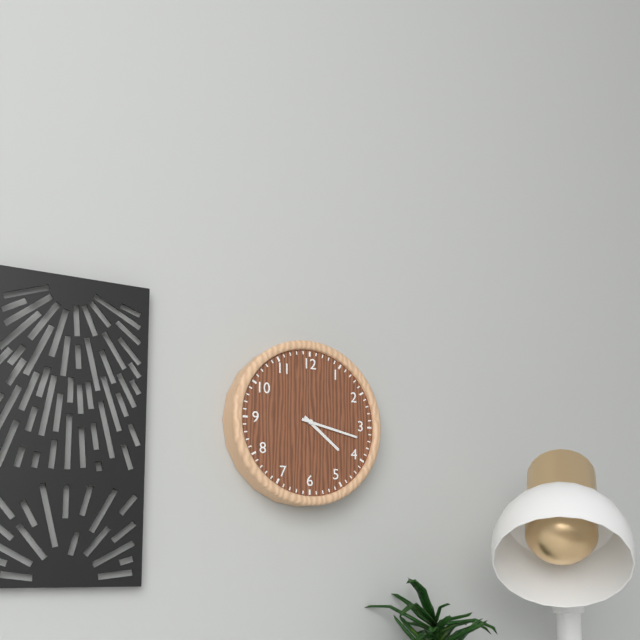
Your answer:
**4:17**
